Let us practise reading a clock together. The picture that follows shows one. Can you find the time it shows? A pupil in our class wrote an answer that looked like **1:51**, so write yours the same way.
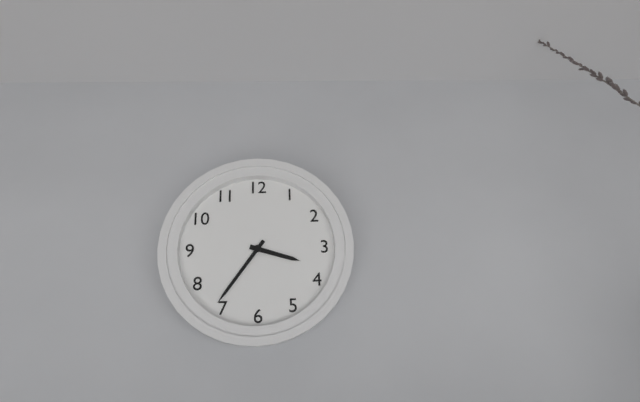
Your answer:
**3:36**
